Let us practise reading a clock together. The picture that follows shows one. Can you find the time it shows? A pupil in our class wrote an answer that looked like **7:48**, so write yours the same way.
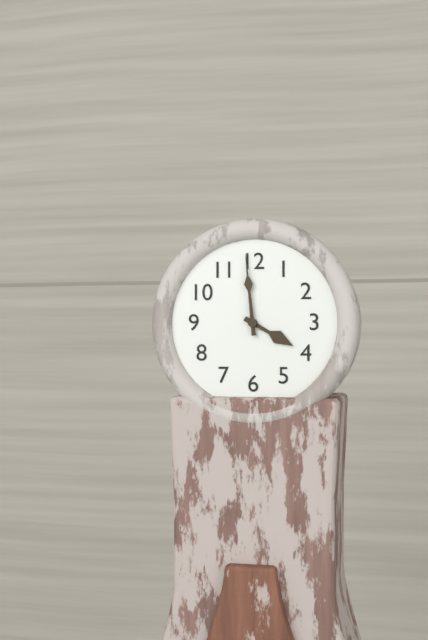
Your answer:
**3:59**
